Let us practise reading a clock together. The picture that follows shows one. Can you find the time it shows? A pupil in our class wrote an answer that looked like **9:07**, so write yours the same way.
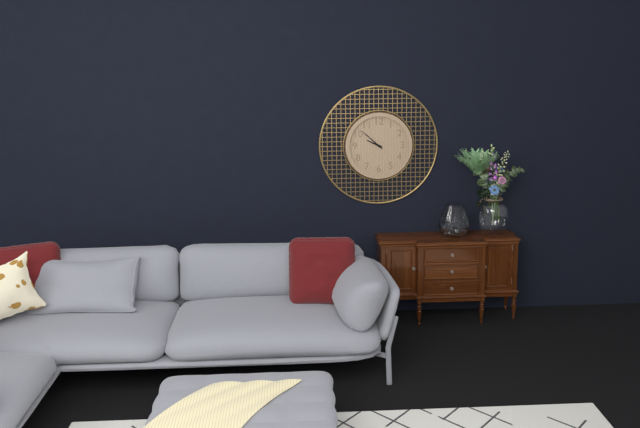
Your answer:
**9:52**
